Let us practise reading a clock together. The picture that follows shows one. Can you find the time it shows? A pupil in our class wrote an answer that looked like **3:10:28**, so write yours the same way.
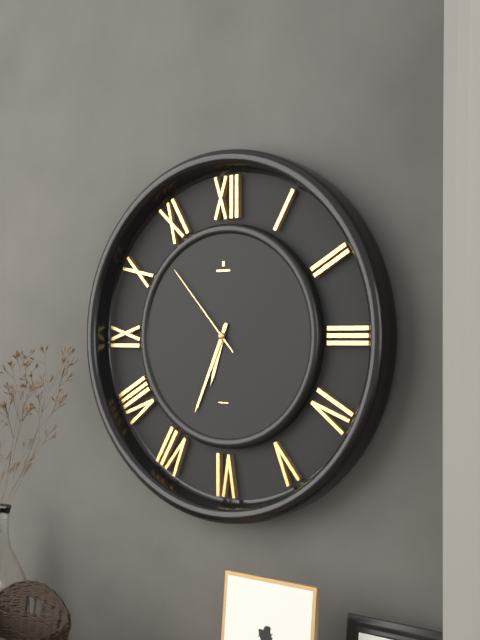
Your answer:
**6:34:53**
